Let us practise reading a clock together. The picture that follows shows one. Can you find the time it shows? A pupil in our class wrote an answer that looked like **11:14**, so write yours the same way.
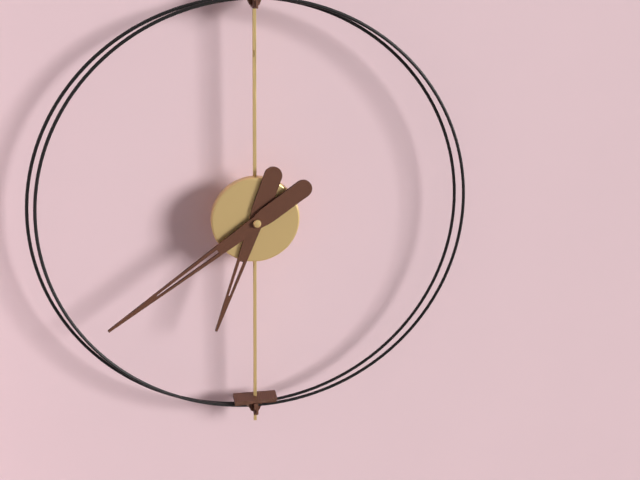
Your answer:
**6:39**
